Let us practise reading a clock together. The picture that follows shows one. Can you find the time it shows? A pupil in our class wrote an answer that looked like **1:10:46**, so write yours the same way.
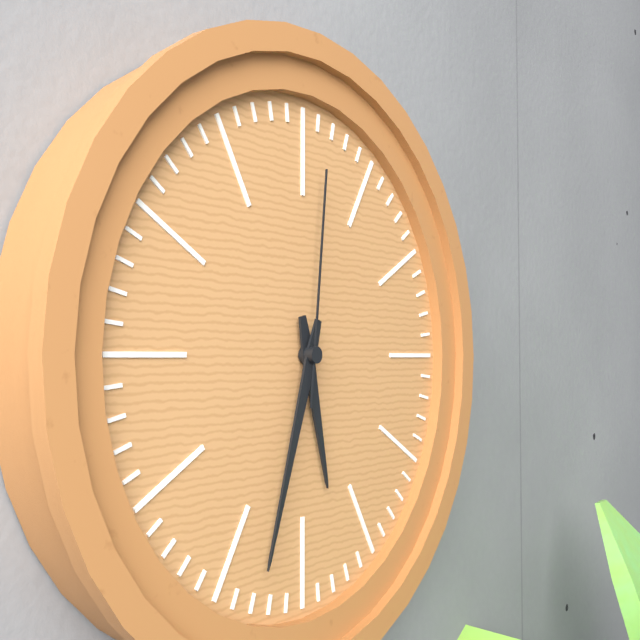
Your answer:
**5:33:01**
